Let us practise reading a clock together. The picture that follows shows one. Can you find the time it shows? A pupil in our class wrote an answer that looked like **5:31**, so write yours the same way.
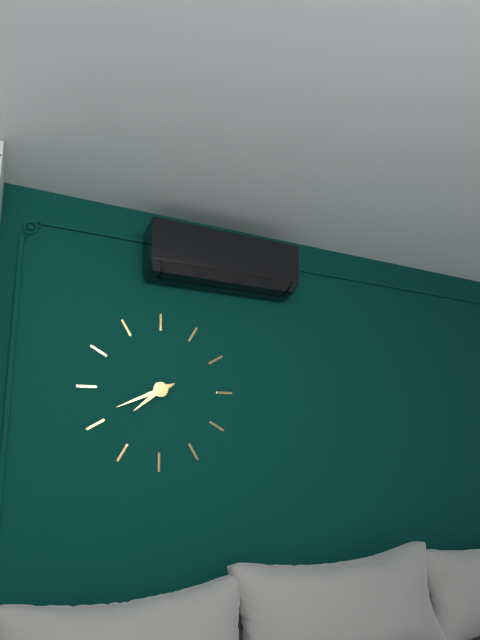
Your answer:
**7:41**
